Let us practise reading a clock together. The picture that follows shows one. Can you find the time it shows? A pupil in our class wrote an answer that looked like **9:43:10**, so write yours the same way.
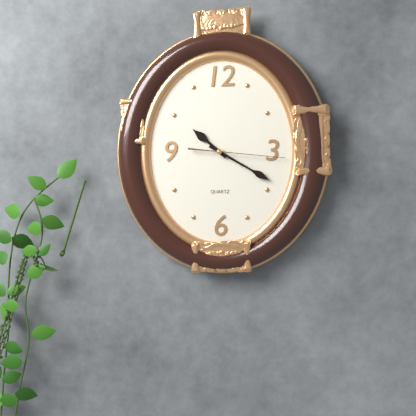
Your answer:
**10:20:16**
